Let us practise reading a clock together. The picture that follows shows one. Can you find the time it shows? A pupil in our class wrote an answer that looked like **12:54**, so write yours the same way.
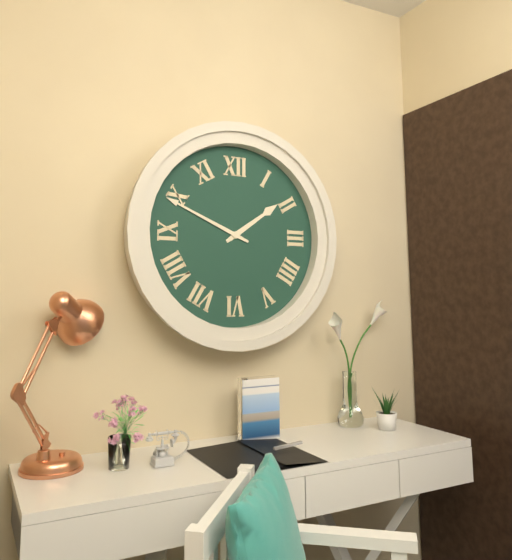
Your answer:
**1:49**
